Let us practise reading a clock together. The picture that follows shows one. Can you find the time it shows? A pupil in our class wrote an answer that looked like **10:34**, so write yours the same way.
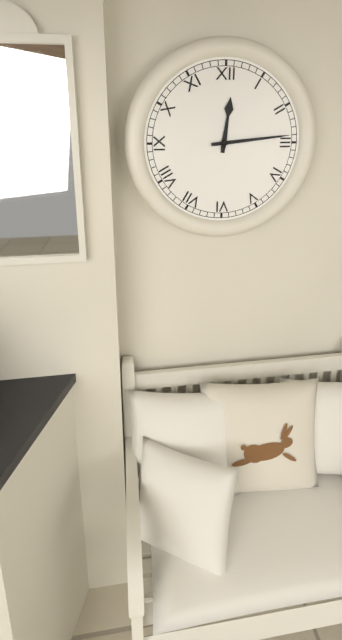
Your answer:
**12:14**
